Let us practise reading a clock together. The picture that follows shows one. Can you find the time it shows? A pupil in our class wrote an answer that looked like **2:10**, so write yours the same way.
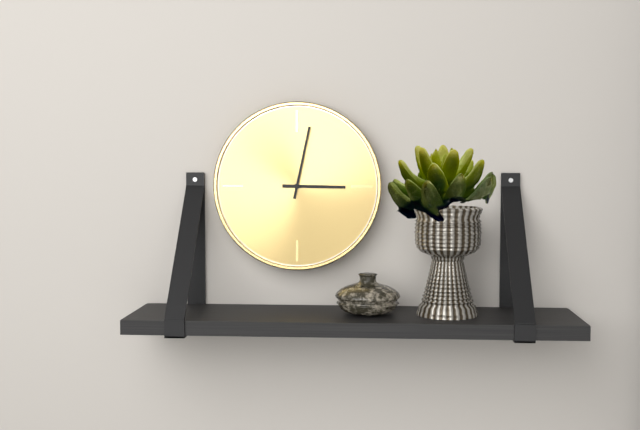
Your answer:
**3:02**
